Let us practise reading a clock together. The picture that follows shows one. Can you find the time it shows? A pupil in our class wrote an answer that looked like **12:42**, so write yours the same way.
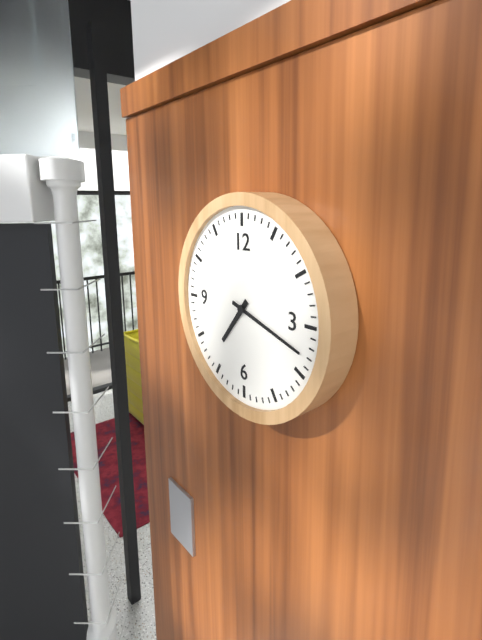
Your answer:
**7:18**
